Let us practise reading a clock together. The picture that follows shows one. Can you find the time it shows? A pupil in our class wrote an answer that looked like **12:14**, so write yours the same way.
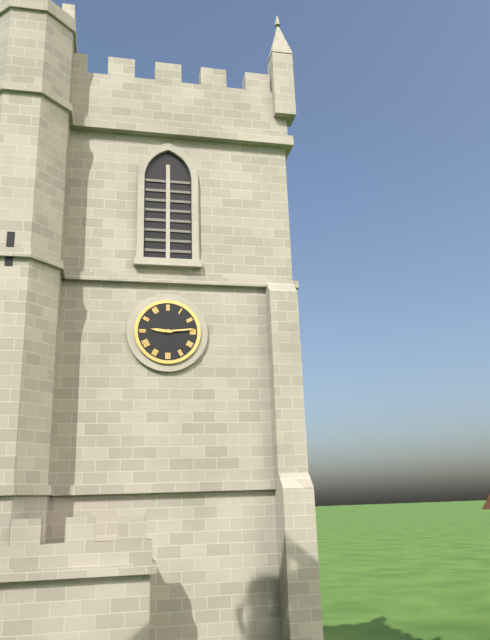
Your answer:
**9:14**
